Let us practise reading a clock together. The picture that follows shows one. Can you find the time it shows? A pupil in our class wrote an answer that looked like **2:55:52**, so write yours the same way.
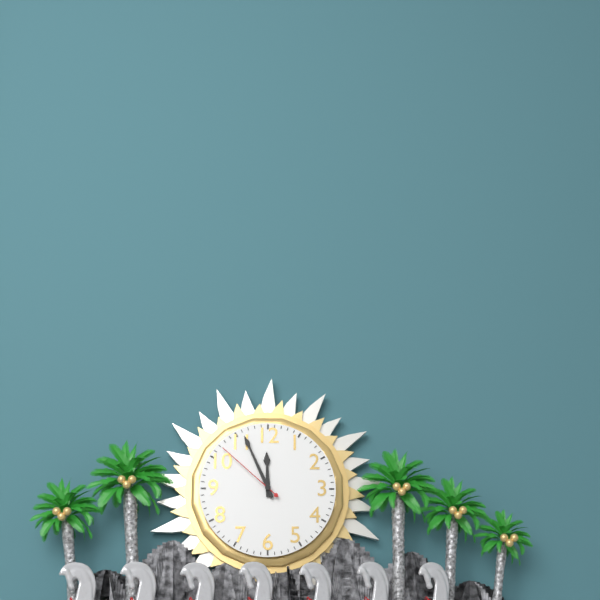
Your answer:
**11:56:52**
